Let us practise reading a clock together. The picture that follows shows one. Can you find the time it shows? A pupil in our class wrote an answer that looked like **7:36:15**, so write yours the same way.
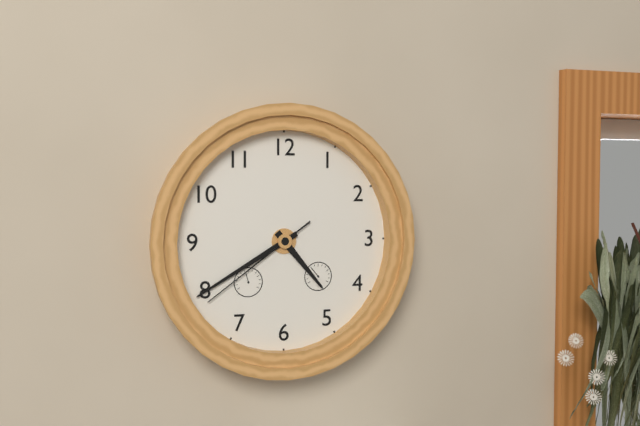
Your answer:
**4:40:39**
